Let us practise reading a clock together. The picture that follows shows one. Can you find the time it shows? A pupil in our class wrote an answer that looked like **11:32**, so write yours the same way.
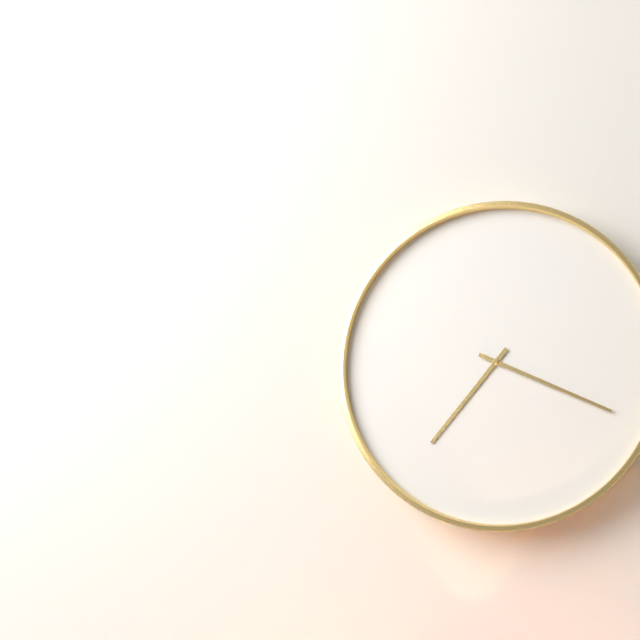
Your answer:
**7:19**
